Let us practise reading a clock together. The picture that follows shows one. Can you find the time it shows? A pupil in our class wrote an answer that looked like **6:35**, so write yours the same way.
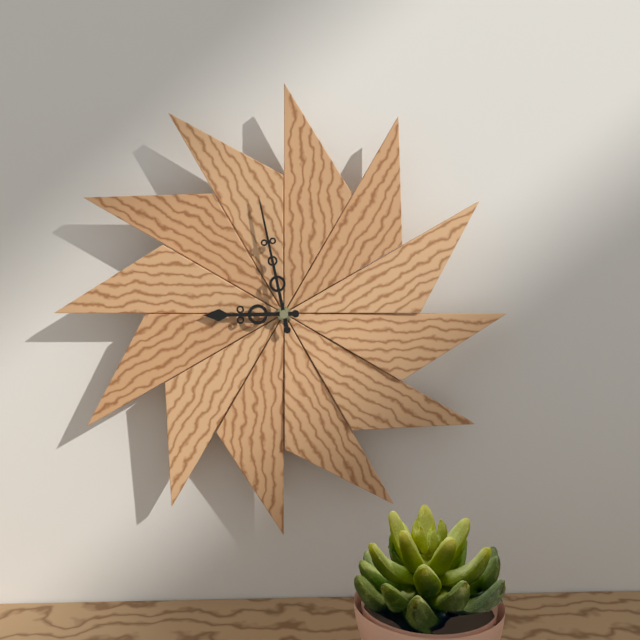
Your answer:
**8:58**
